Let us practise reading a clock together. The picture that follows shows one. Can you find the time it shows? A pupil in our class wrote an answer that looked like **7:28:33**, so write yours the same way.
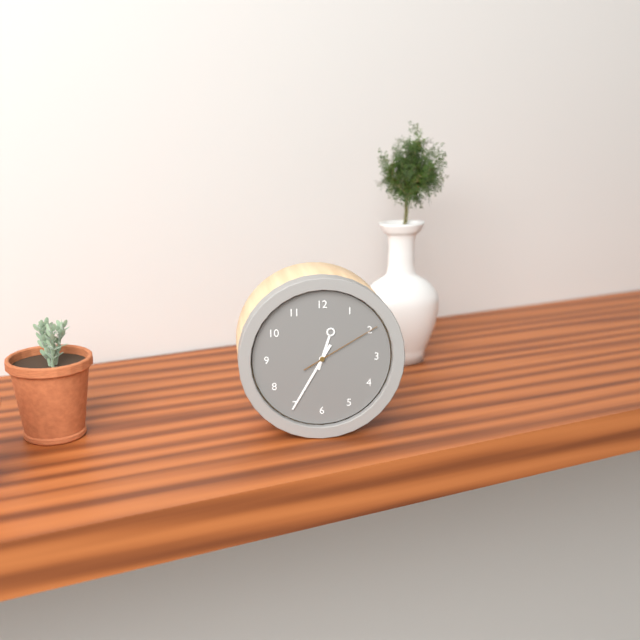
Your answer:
**12:35:10**
